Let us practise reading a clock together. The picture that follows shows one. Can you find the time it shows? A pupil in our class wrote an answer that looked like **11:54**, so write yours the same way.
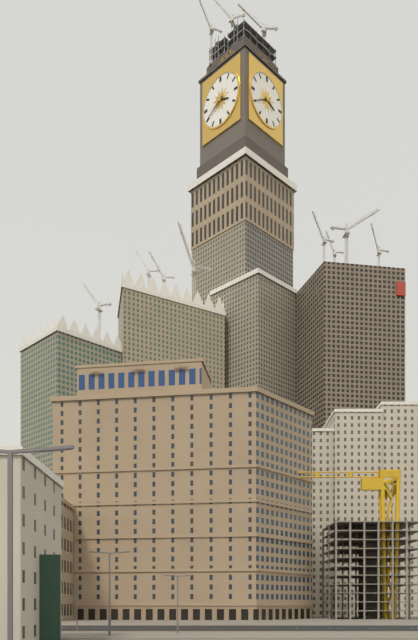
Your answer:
**3:40**
